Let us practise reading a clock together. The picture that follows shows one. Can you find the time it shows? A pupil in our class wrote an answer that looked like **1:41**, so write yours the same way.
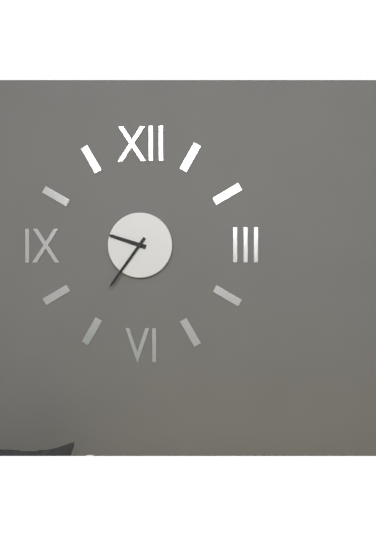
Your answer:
**9:36**
